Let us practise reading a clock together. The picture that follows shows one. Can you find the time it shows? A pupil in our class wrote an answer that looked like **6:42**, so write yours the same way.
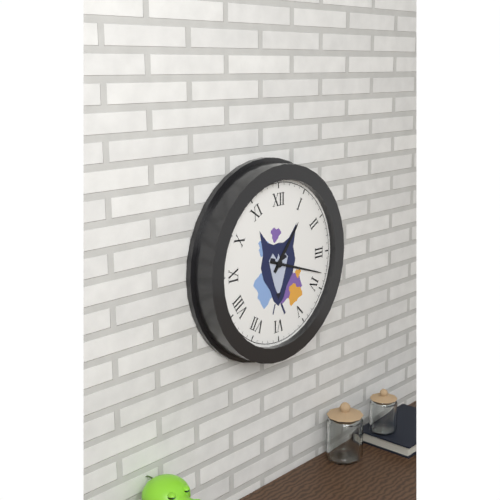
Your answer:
**1:18**
